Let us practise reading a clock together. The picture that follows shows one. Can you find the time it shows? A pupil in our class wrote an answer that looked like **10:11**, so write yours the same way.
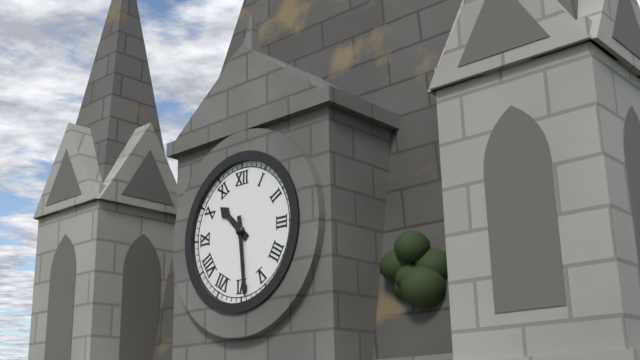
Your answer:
**10:29**
